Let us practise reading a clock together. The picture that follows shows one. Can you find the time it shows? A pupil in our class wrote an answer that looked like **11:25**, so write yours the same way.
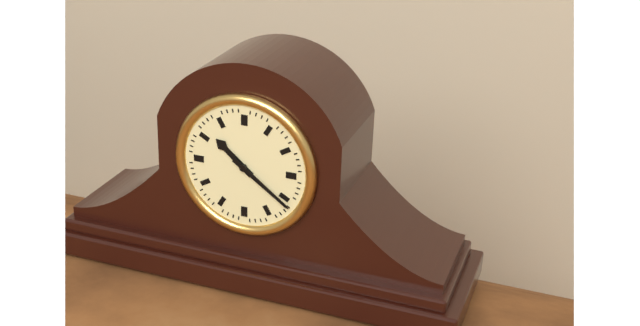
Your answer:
**10:21**
